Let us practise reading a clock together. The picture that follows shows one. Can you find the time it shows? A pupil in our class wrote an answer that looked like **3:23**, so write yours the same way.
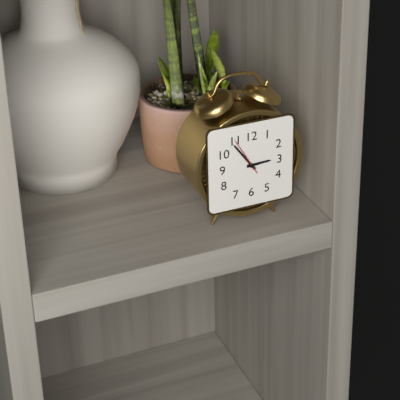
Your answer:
**2:54**
